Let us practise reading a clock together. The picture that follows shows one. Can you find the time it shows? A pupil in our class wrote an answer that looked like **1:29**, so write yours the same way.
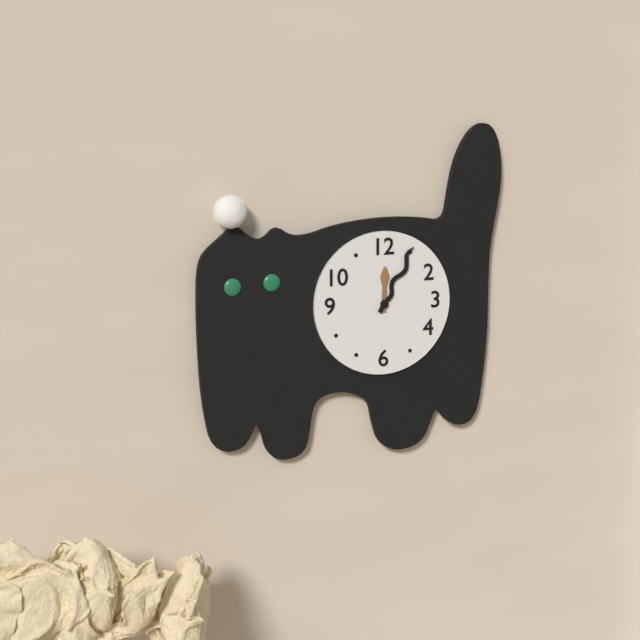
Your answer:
**12:05**
